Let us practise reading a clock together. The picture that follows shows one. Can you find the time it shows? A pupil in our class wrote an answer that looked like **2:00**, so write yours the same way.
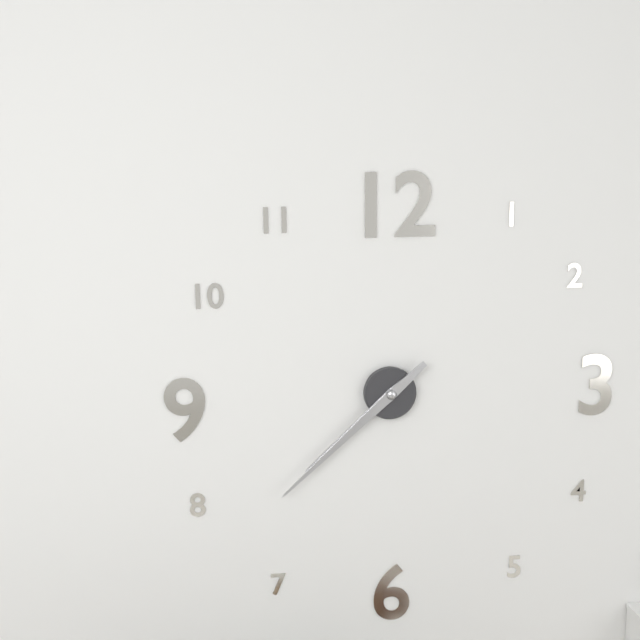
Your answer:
**7:38**
